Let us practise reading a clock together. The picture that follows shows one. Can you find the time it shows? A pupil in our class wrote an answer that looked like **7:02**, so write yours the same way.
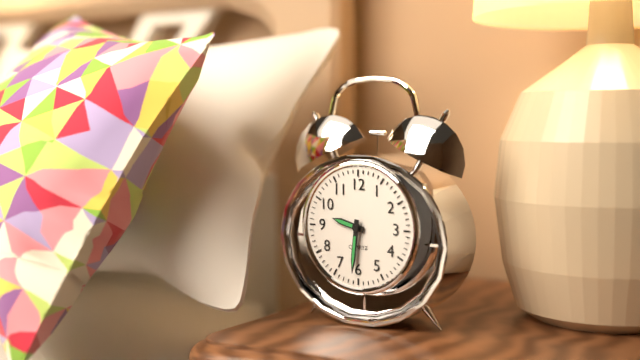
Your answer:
**9:31**
